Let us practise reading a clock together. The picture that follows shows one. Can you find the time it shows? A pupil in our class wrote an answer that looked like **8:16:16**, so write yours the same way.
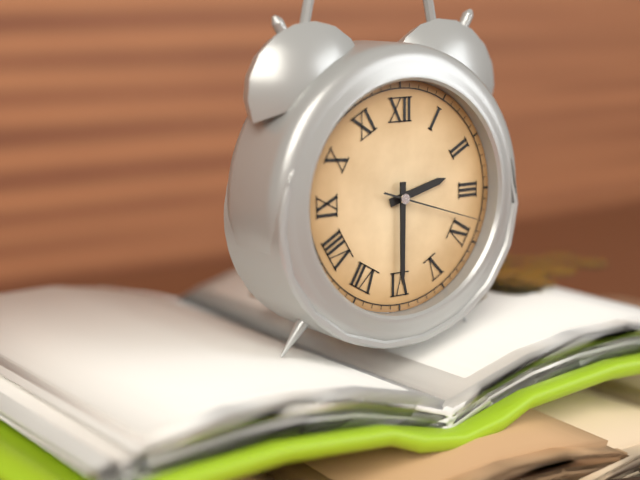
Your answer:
**2:30:18**
